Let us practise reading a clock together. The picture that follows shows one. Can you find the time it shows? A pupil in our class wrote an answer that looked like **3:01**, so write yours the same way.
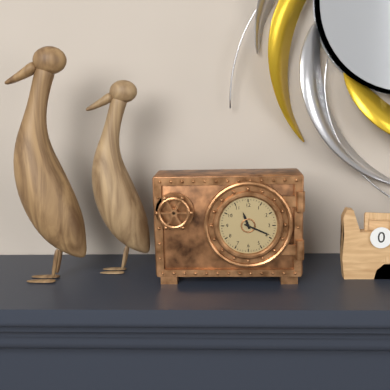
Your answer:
**11:19**
